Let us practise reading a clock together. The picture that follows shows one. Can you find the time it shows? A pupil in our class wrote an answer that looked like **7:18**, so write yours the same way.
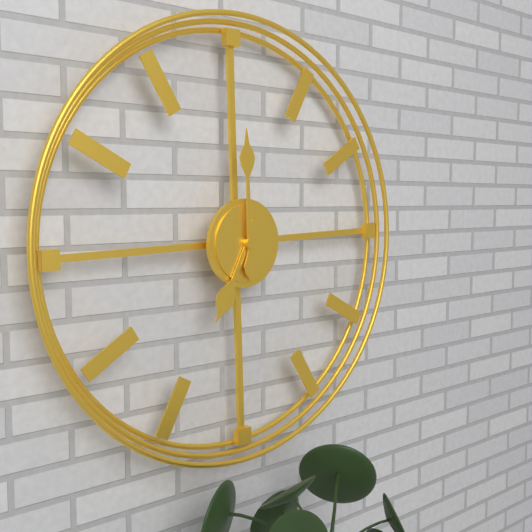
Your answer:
**7:00**
